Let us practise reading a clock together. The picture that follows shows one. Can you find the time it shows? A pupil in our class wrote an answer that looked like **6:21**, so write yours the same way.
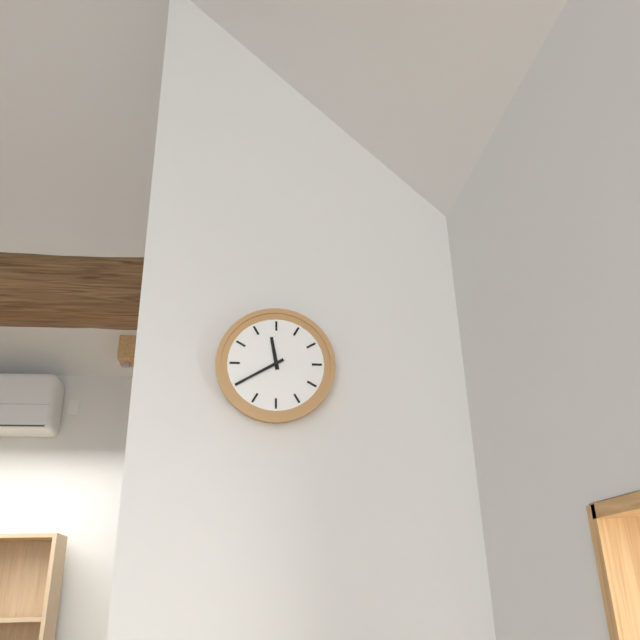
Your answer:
**11:40**
